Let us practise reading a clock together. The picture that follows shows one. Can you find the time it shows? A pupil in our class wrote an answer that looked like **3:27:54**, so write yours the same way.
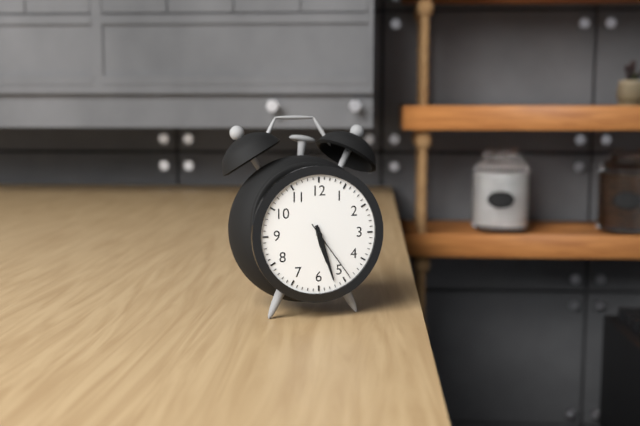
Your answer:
**5:27:24**
